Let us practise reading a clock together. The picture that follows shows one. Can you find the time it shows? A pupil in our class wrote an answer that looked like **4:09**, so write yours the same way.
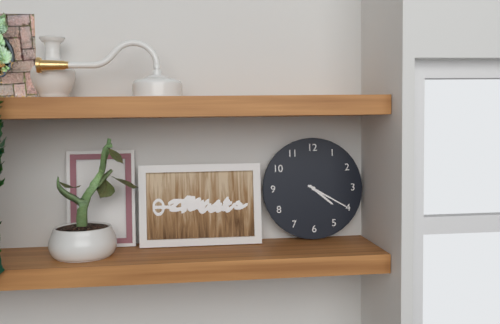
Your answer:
**4:20**
